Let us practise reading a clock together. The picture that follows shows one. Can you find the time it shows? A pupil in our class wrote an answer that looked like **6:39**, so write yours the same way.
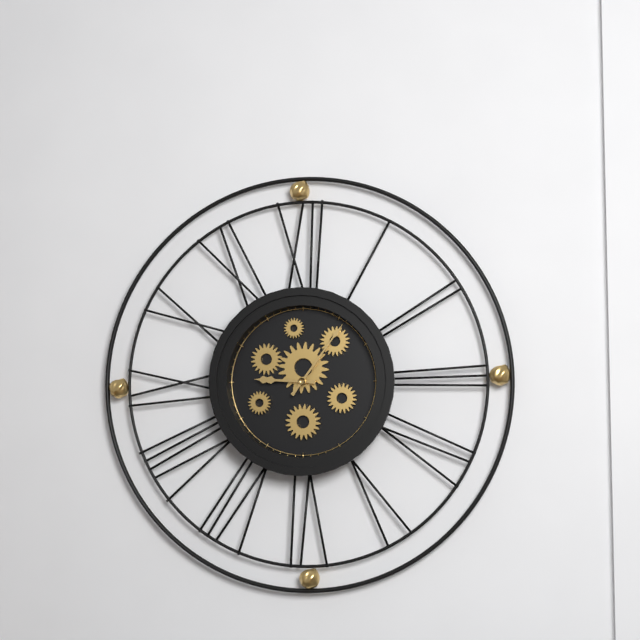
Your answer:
**9:06**
